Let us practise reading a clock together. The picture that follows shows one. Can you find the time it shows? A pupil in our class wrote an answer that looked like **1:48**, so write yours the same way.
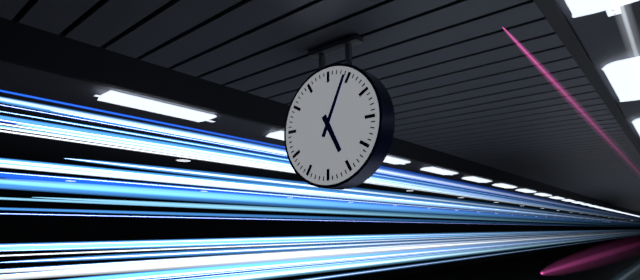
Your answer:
**5:04**
